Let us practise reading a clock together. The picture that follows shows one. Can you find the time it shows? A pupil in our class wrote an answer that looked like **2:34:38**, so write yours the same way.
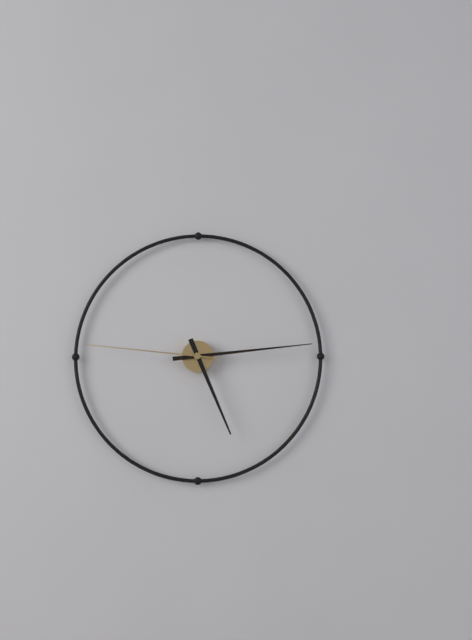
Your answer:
**5:14:46**
